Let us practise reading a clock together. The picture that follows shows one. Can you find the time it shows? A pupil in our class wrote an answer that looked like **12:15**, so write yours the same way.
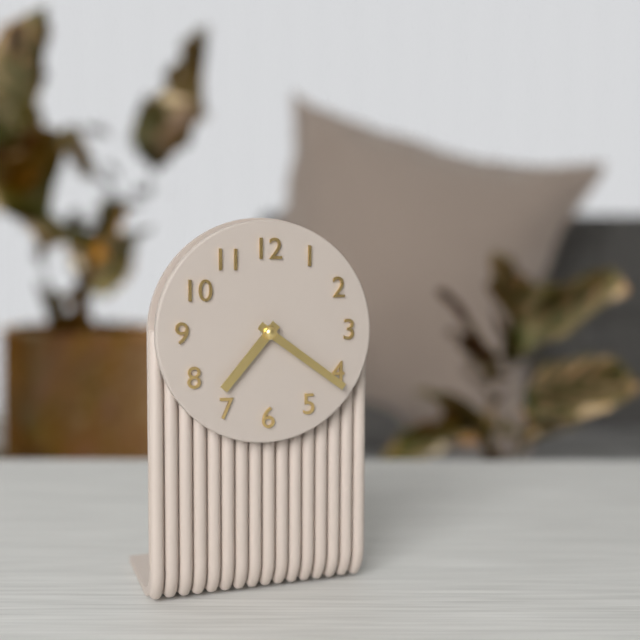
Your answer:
**7:21**
